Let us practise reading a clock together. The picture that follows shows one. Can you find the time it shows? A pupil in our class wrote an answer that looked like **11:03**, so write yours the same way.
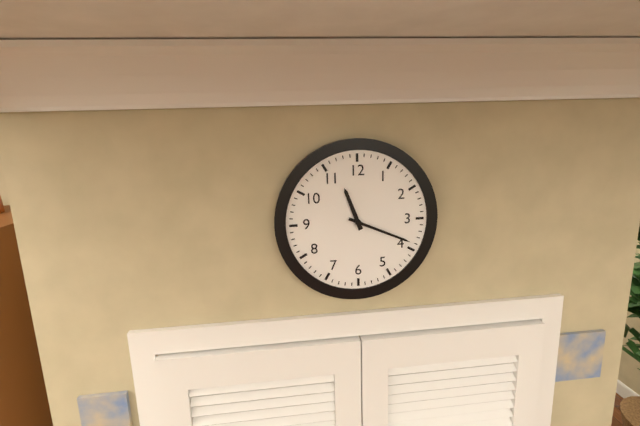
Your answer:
**11:19**
